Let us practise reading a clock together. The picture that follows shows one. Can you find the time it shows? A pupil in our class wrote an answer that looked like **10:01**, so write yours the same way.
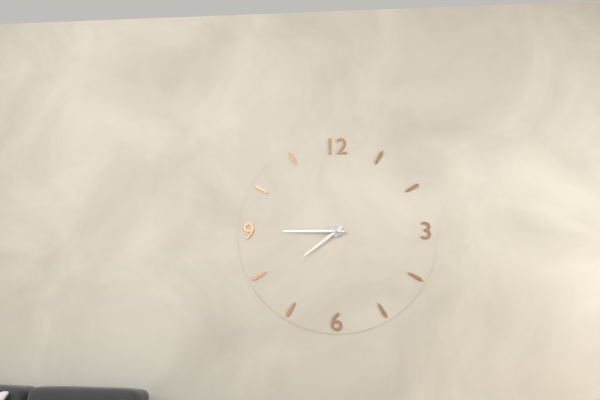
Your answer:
**7:45**
